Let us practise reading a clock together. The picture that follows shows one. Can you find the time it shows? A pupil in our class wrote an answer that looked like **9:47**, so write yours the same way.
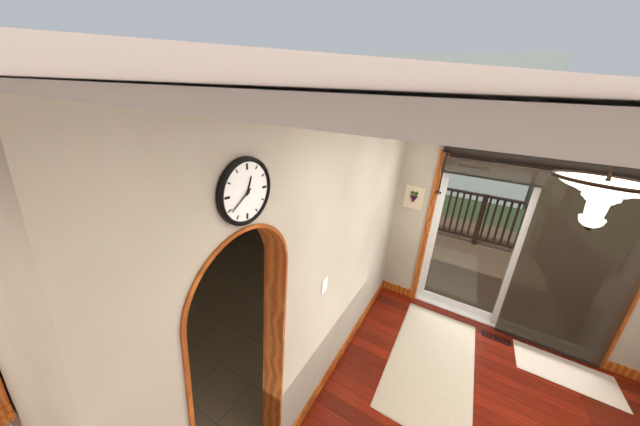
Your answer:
**12:39**
